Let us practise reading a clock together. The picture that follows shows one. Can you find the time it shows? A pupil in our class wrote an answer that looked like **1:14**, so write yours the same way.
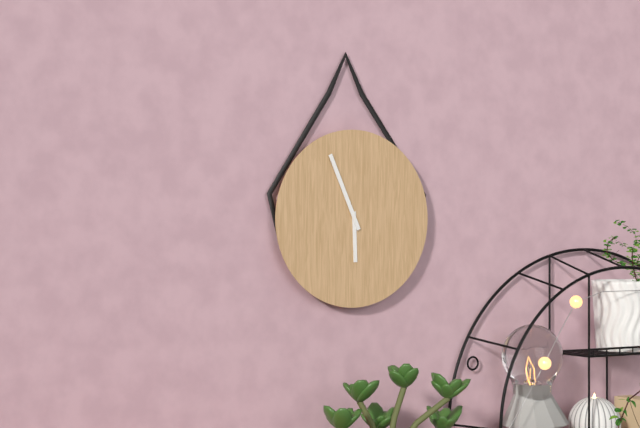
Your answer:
**5:56**
